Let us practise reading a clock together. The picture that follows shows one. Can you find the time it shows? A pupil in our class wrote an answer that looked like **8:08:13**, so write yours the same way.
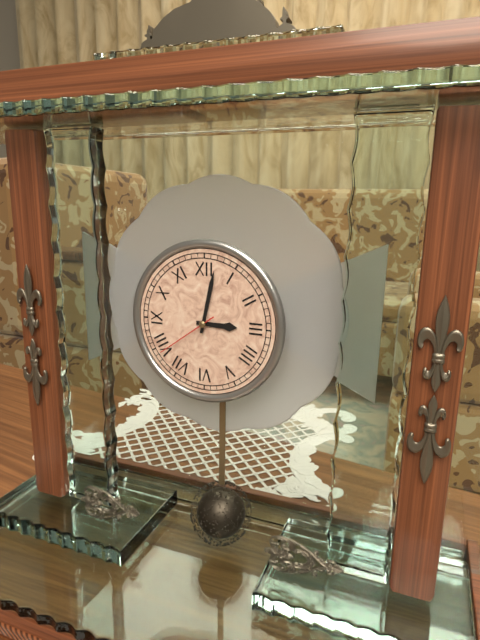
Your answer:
**3:02:39**
